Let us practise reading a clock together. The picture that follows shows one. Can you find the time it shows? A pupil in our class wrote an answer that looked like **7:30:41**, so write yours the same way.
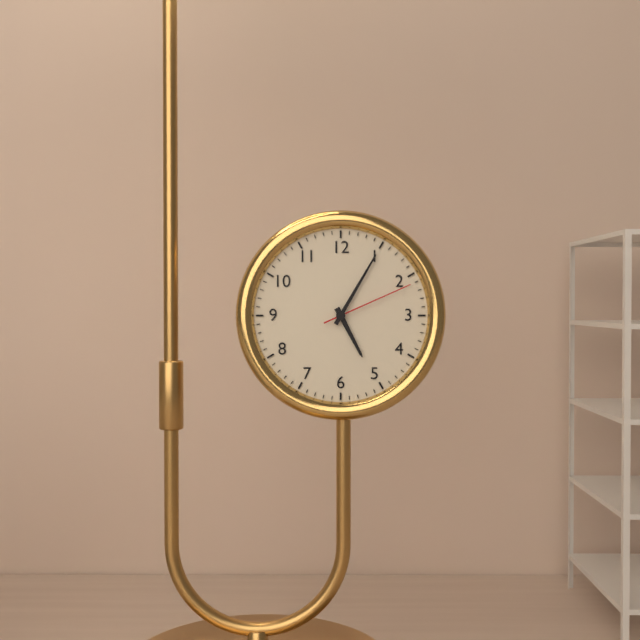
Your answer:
**5:05:11**
